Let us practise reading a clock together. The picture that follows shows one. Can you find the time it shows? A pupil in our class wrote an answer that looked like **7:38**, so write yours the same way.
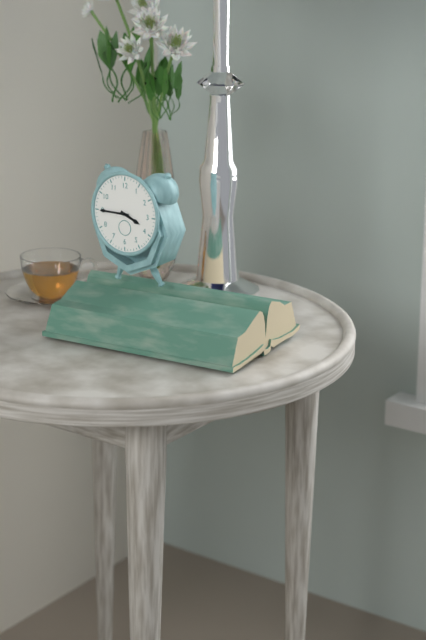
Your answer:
**3:45**
